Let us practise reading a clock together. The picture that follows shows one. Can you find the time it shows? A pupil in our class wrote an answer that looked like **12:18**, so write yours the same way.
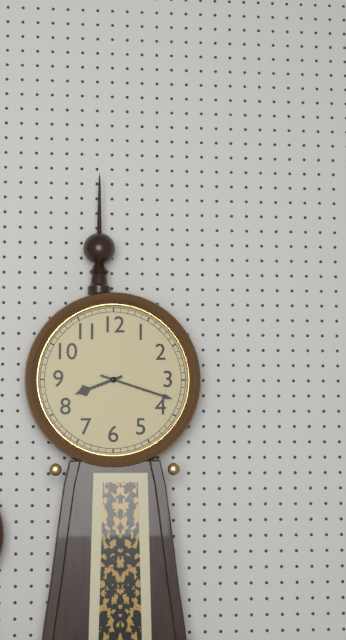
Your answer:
**8:18**
